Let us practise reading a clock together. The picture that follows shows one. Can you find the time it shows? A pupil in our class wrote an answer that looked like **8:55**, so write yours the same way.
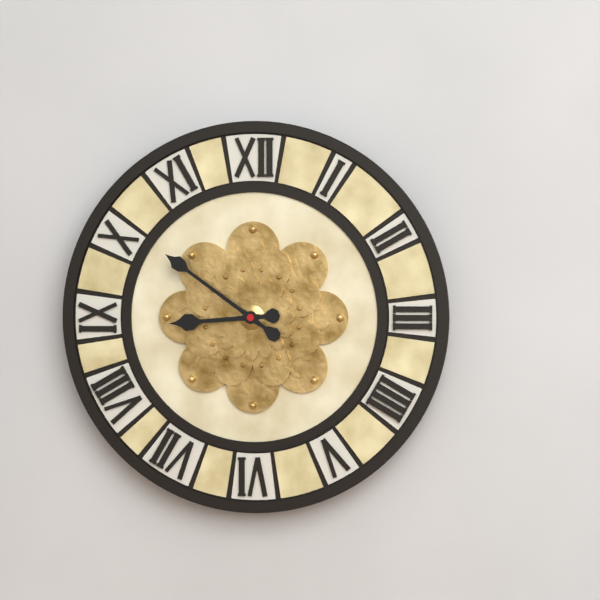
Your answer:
**8:51**
